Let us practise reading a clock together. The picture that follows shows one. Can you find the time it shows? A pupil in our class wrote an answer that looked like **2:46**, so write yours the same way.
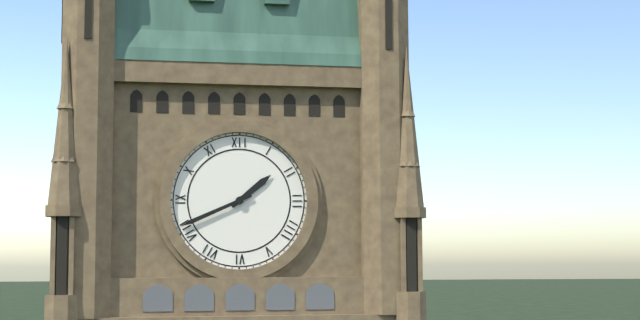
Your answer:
**1:41**
